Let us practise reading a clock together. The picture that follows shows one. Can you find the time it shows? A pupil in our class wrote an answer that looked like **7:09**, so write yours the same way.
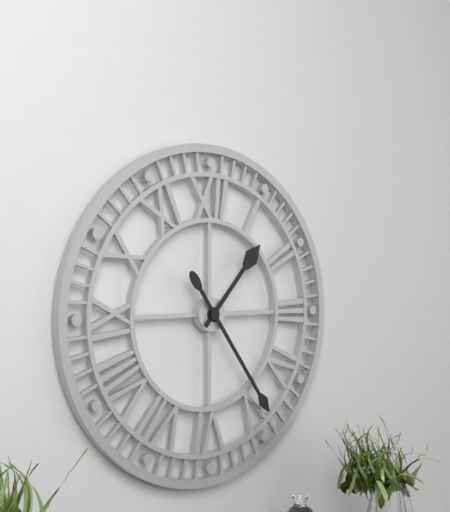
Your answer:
**1:24**
